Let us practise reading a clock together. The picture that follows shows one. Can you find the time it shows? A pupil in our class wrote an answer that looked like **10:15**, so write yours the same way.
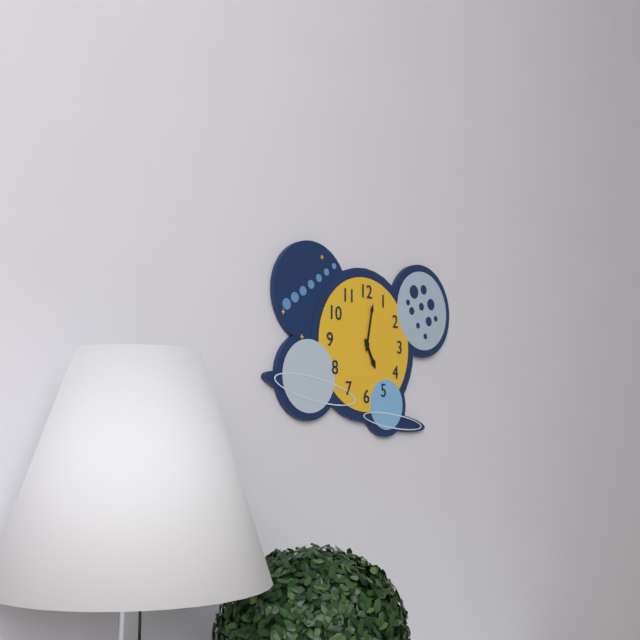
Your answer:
**5:02**
